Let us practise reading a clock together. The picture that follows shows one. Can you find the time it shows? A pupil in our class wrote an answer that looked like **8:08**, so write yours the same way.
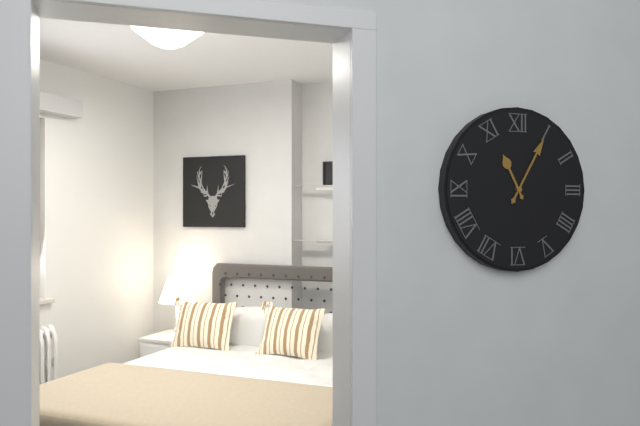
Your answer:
**11:05**
